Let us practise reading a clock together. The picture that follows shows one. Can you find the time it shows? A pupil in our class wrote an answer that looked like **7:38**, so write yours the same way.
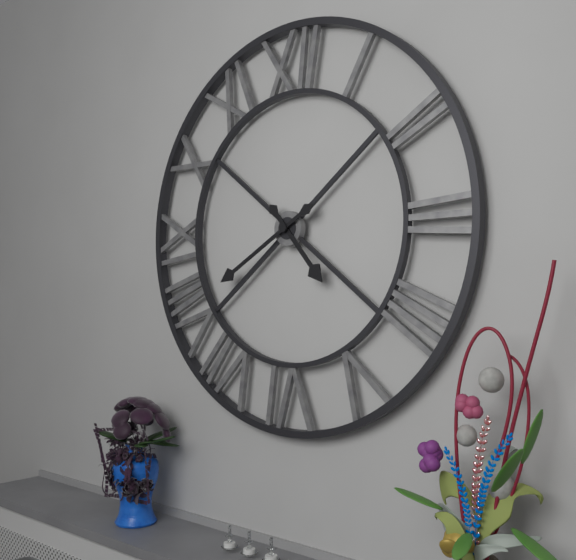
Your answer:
**4:40**
